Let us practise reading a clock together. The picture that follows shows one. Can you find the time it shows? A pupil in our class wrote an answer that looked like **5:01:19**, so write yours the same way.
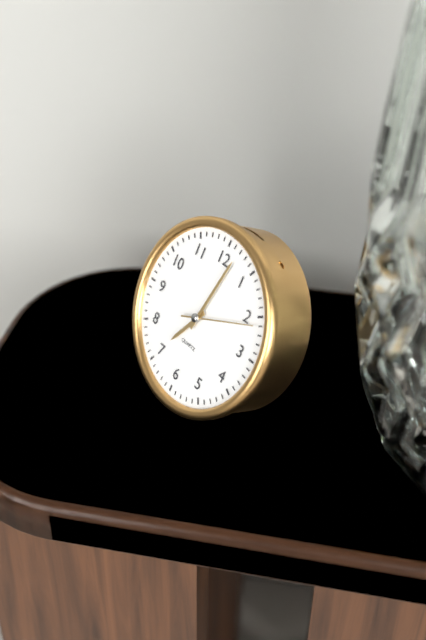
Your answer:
**7:02:11**
